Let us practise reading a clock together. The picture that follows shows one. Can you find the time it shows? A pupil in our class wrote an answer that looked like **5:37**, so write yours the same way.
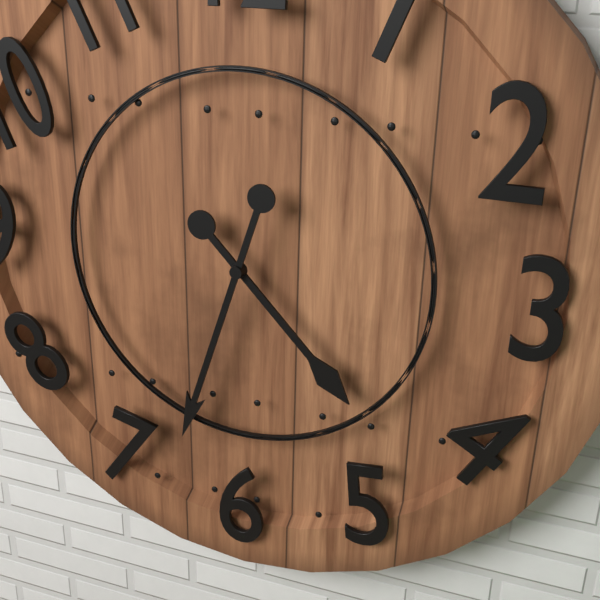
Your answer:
**4:33**
